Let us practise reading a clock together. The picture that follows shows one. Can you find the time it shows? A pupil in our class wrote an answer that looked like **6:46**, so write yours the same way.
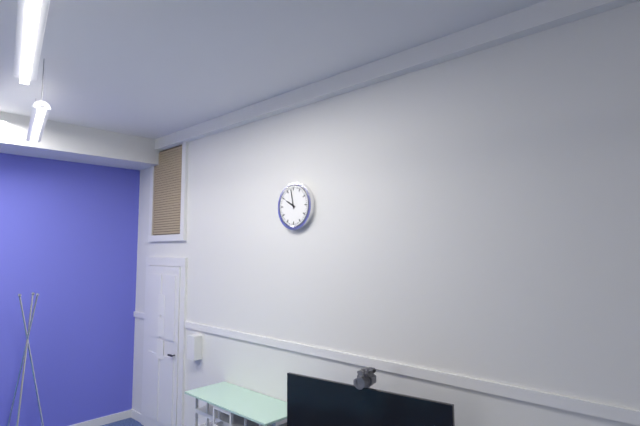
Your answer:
**9:58**
